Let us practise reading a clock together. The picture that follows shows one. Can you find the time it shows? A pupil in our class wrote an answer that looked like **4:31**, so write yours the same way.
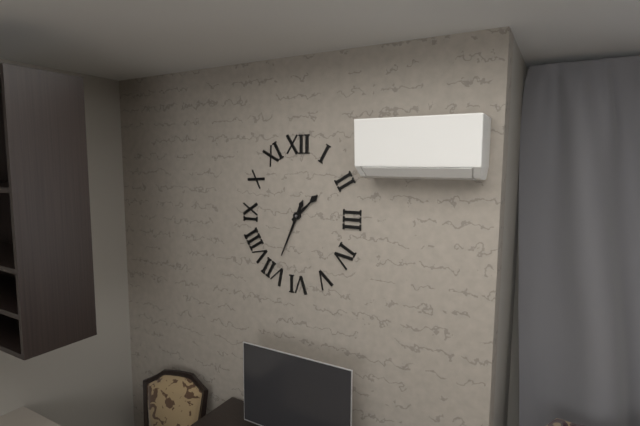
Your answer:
**1:34**
